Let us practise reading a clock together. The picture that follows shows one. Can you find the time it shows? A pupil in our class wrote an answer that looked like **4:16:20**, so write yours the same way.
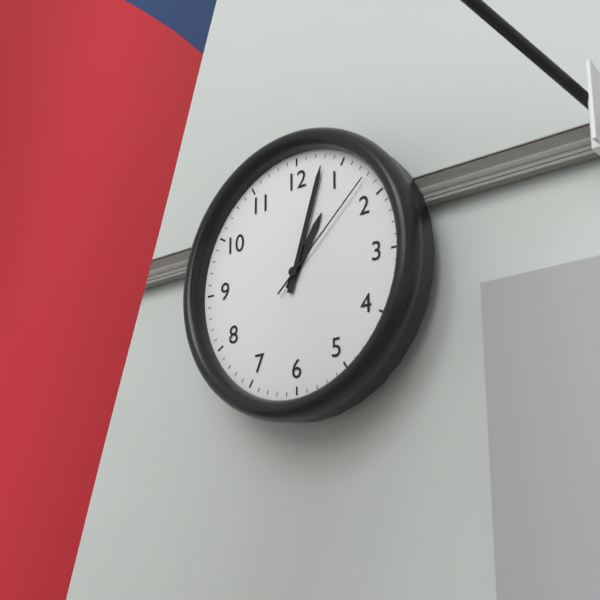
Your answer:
**1:03:08**
